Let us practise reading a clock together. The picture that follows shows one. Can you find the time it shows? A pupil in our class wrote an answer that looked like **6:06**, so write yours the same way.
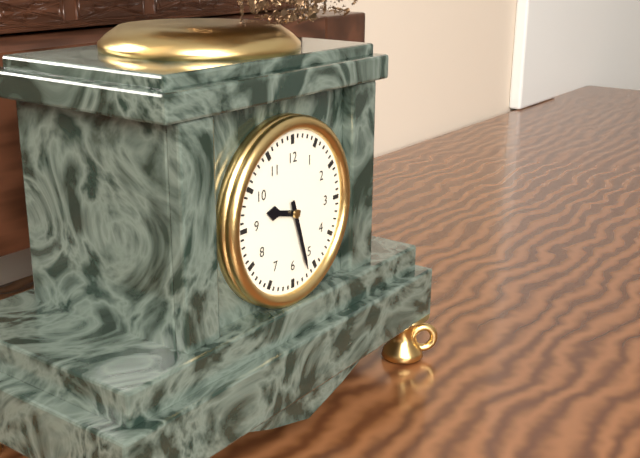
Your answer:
**9:27**
